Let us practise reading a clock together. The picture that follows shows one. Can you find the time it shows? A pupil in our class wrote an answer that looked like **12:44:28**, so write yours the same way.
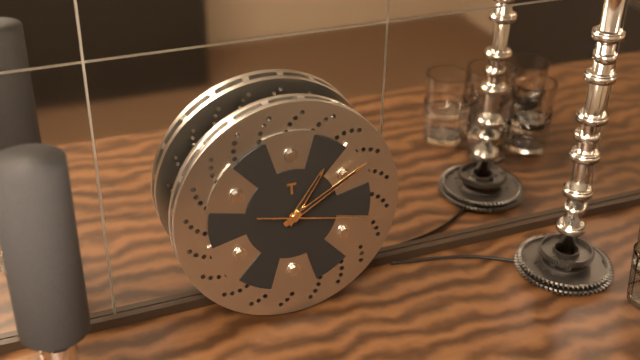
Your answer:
**1:10:17**
